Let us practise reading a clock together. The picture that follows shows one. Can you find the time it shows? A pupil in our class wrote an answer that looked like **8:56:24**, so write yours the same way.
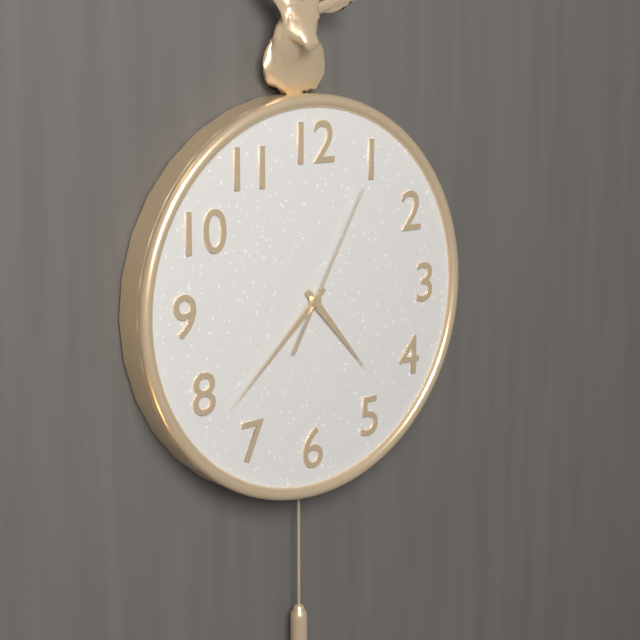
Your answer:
**4:38:05**
